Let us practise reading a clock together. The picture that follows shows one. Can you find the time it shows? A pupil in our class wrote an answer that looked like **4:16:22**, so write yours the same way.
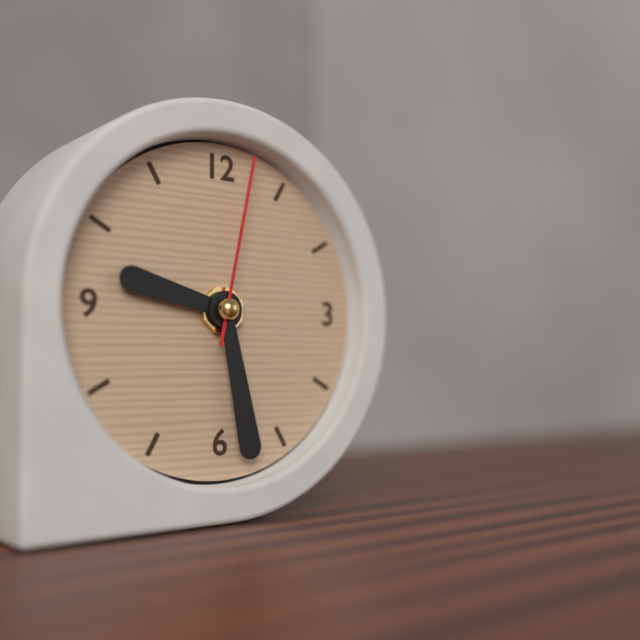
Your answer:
**9:28:02**
